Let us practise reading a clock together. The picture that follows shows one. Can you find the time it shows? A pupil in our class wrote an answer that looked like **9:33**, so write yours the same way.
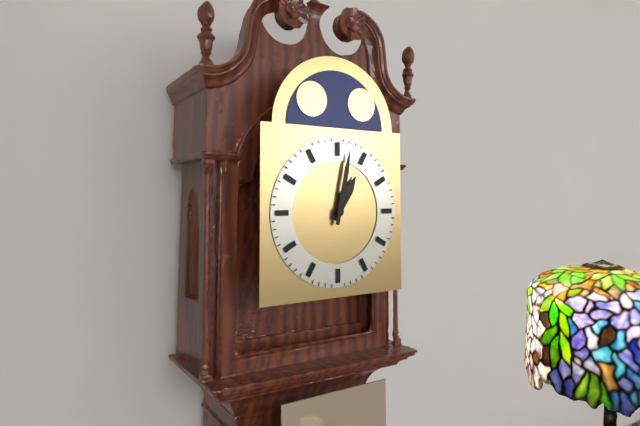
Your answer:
**1:02**
